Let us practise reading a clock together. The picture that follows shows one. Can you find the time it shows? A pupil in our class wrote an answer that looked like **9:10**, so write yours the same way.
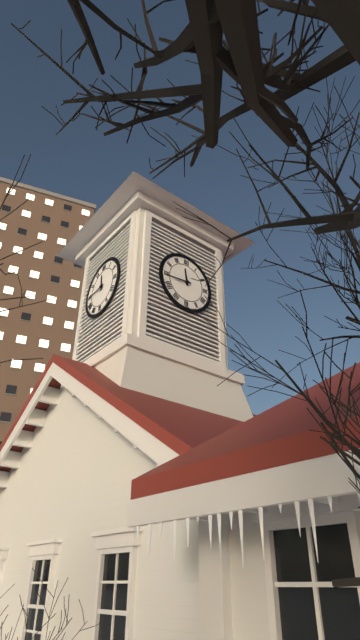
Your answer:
**11:44**
